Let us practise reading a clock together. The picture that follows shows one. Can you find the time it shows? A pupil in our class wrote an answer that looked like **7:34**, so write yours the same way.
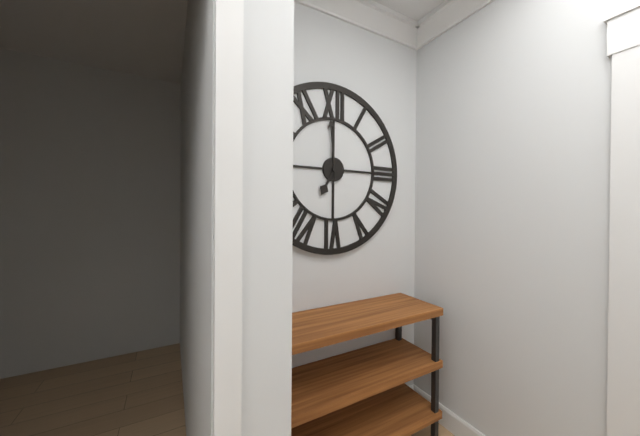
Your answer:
**6:59**
